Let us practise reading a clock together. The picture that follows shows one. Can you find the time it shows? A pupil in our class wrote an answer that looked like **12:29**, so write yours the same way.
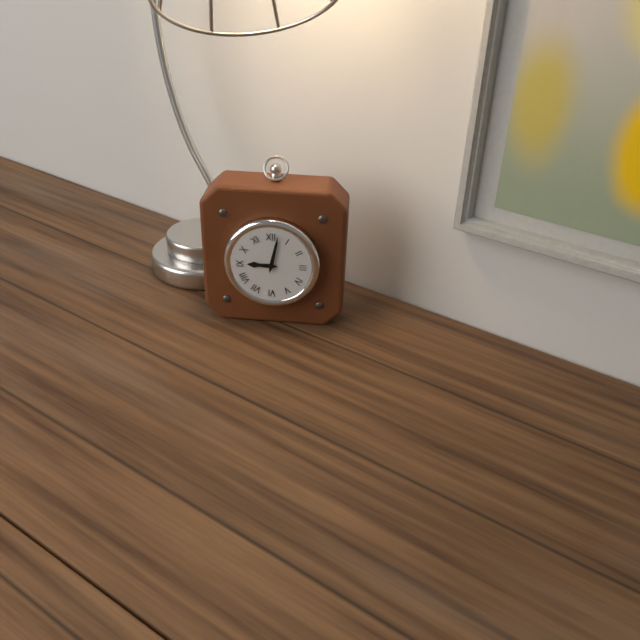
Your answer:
**9:02**
